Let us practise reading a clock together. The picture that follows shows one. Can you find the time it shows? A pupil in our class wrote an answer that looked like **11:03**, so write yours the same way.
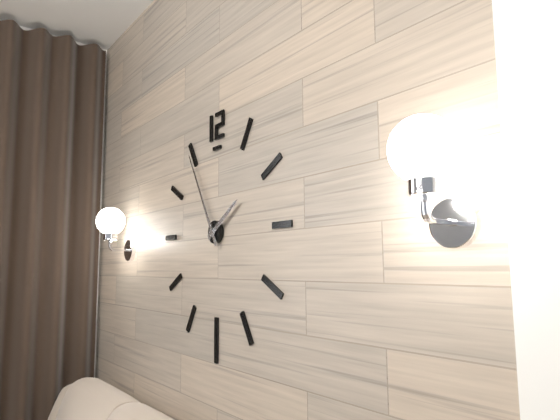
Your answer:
**1:55**
